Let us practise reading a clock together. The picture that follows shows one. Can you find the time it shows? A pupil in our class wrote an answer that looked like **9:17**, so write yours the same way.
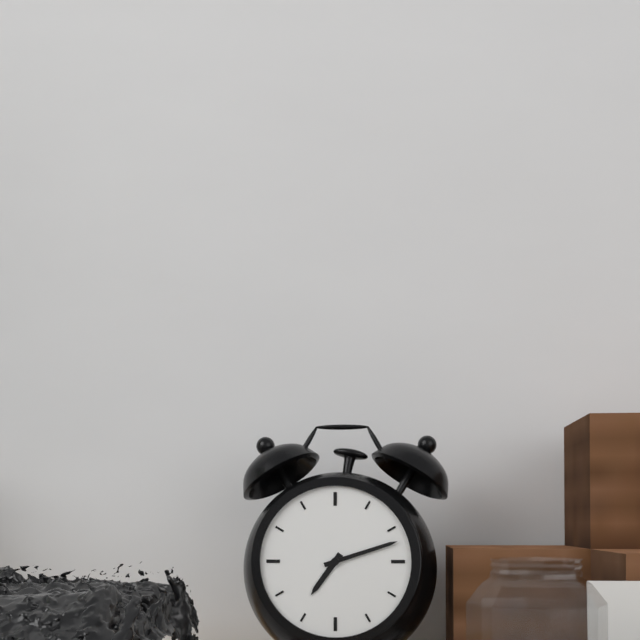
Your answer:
**7:12**
